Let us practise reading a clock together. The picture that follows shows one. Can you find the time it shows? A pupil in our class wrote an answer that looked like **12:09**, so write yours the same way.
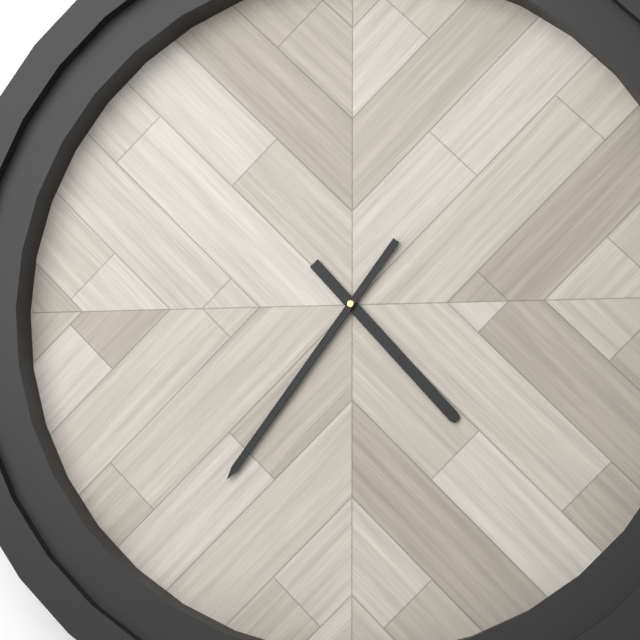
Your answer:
**4:36**
